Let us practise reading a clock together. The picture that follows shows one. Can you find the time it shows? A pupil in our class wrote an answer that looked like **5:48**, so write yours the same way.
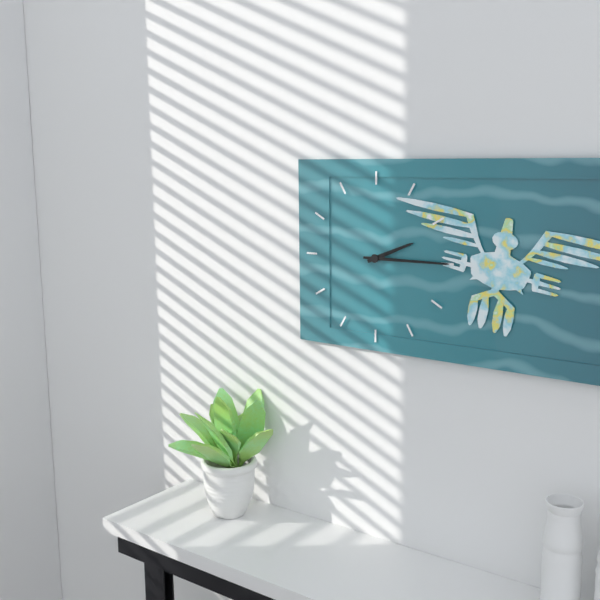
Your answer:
**2:15**
